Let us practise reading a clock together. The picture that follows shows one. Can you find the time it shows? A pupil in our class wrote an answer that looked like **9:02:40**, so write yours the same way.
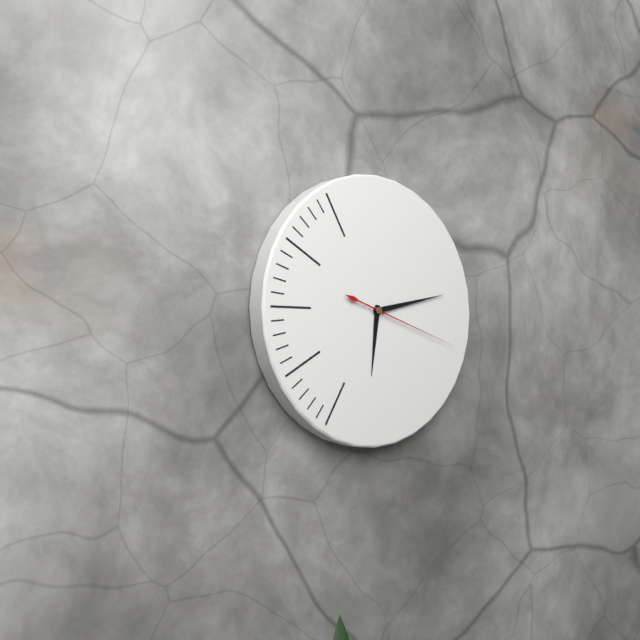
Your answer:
**6:13:18**
